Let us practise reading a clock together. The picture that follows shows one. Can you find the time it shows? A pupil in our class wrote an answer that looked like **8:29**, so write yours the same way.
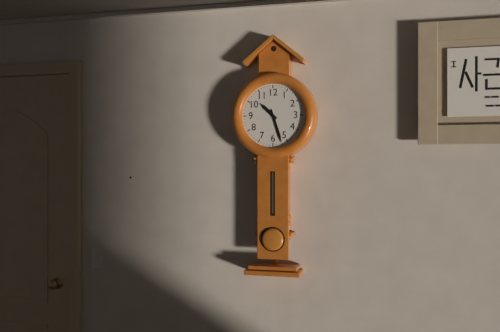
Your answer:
**10:27**
